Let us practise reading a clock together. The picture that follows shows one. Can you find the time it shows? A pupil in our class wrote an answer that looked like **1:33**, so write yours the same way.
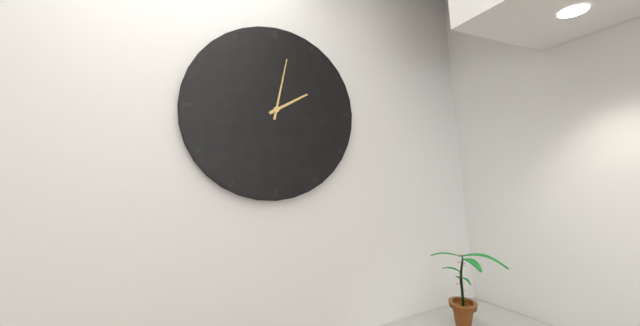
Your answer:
**2:02**
